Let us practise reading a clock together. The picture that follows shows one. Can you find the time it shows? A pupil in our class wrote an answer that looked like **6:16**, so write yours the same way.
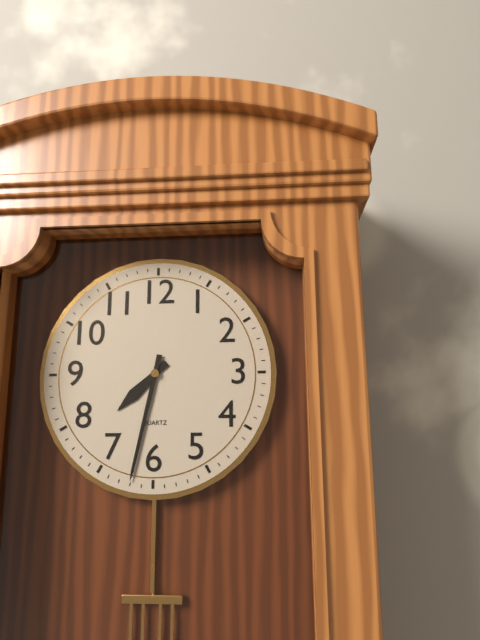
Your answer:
**7:32**
